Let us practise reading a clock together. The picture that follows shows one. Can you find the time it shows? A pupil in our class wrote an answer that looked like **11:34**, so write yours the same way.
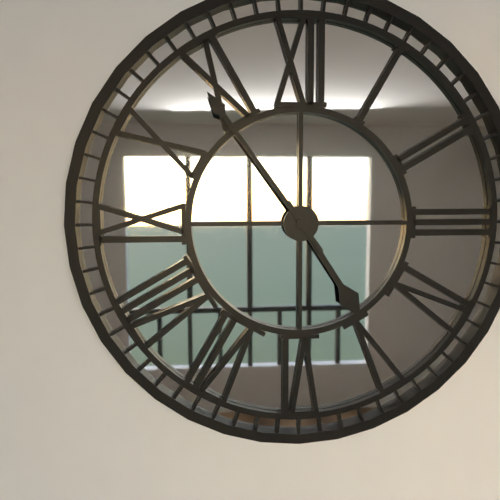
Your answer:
**4:54**
